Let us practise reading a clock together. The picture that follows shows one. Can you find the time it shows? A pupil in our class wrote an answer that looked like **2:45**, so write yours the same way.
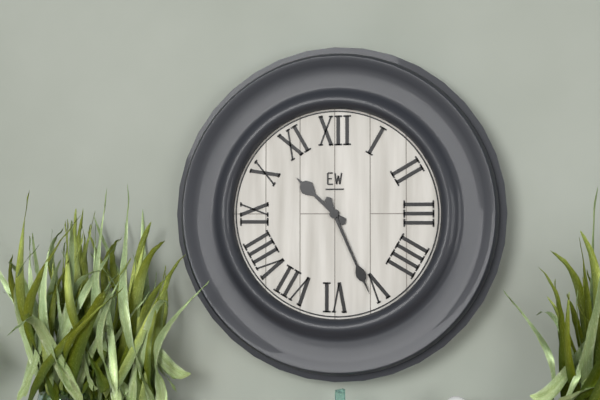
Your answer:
**10:26**
